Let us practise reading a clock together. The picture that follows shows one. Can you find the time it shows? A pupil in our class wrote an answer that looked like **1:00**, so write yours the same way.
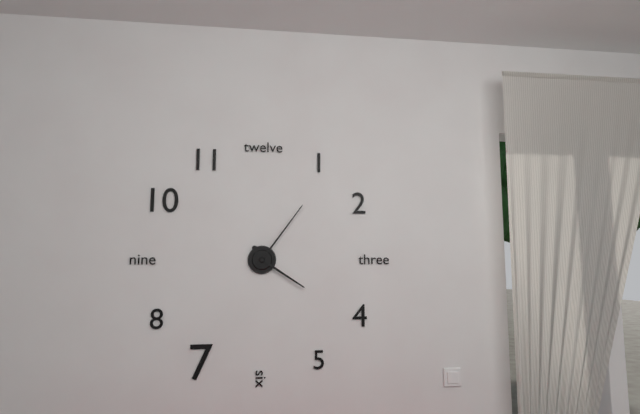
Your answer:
**4:06**
